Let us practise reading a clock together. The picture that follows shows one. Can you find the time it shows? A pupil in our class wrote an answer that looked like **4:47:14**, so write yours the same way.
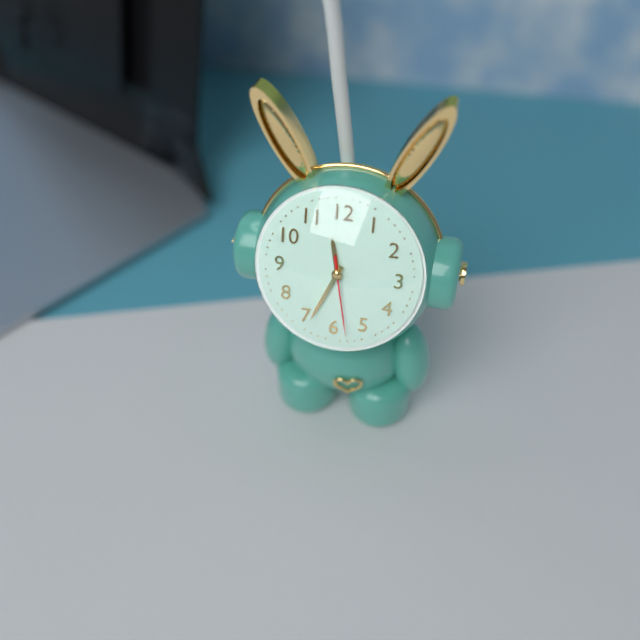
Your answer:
**11:34:28**
